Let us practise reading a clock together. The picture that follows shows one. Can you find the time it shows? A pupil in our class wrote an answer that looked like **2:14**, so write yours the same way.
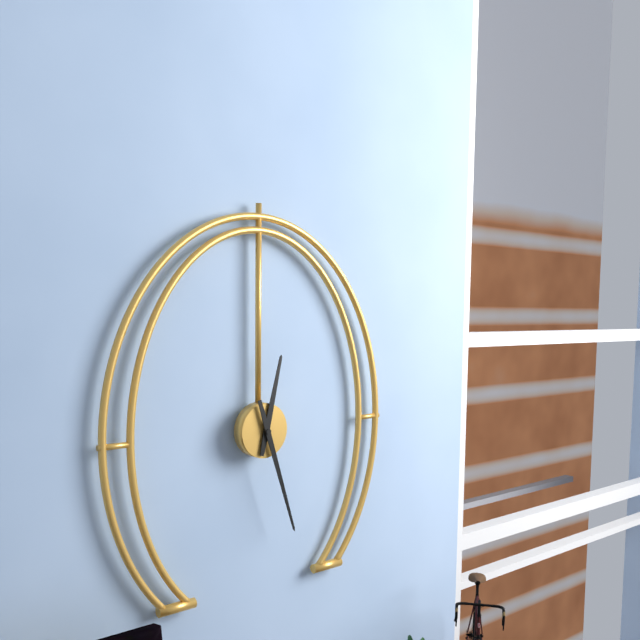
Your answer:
**12:27**
